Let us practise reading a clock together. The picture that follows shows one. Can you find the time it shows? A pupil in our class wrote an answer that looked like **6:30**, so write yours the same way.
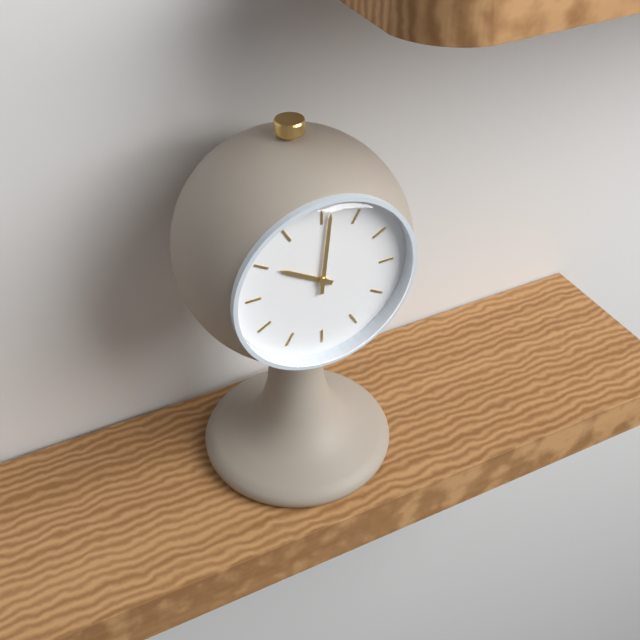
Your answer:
**10:01**
